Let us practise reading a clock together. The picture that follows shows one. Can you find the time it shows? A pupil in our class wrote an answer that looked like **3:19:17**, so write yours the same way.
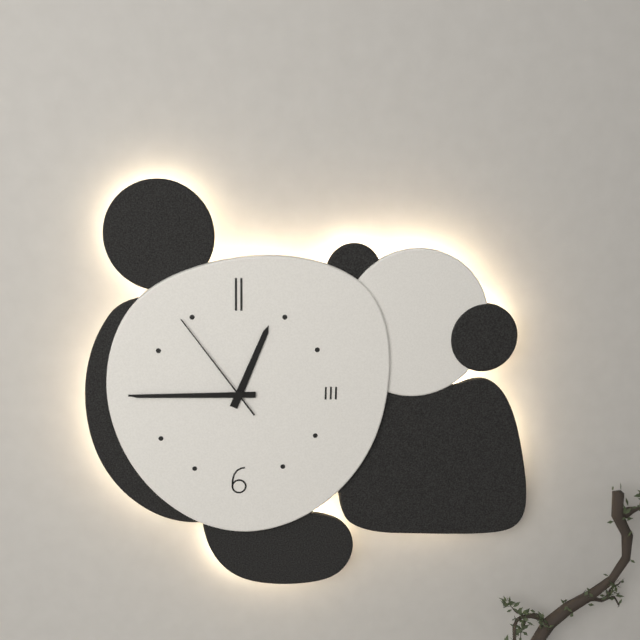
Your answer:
**12:45:54**
